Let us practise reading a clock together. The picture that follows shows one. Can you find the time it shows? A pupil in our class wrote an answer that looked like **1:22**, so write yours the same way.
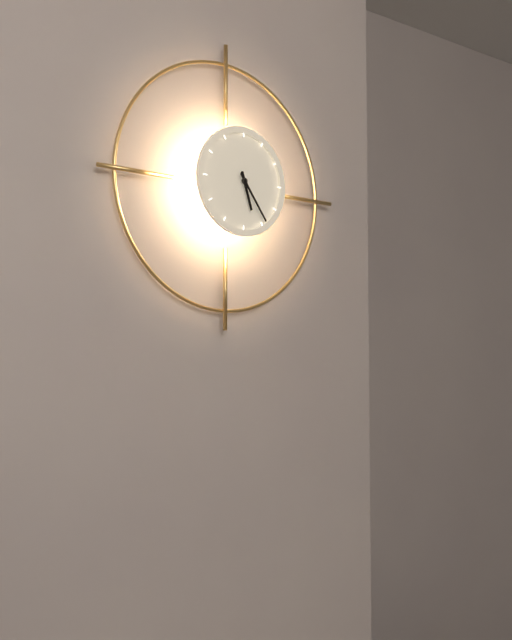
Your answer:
**5:24**
